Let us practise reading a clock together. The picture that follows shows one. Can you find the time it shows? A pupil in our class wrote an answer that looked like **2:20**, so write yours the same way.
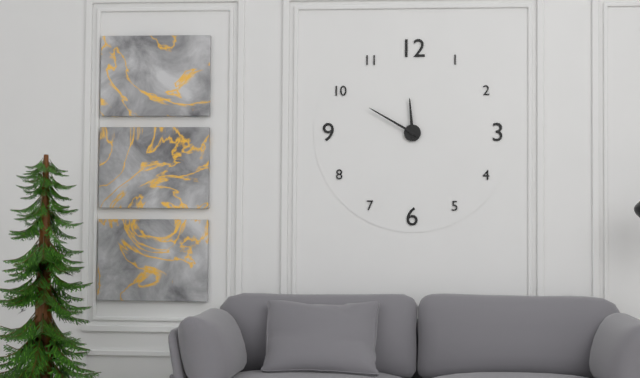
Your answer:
**11:50**
